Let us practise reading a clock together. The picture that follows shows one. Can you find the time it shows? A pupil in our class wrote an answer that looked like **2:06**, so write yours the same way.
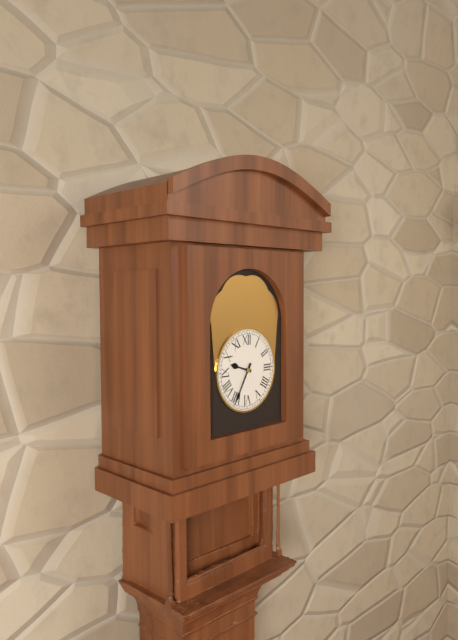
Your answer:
**9:35**
